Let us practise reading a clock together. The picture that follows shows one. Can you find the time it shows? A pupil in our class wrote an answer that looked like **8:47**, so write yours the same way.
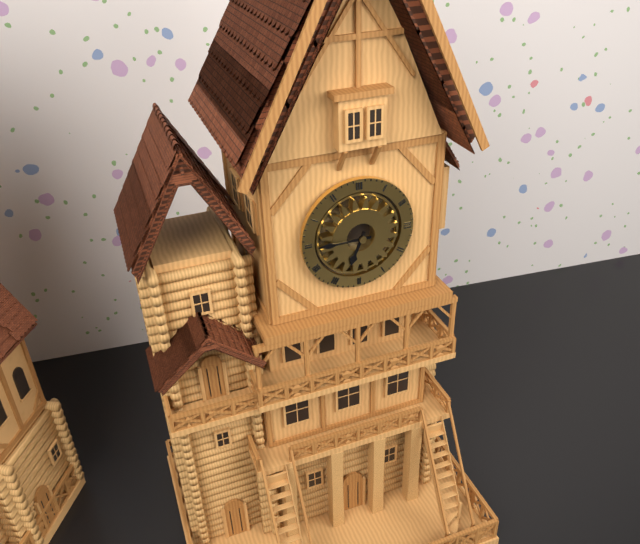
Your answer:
**6:45**
